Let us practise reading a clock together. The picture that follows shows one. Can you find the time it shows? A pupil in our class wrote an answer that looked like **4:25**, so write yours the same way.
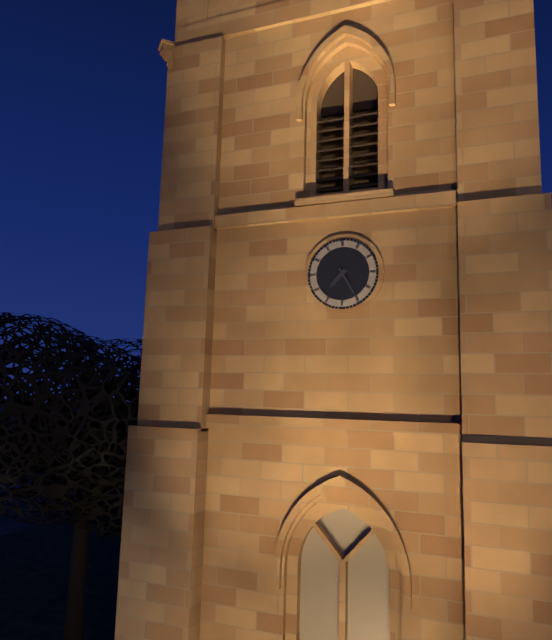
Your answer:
**7:25**
